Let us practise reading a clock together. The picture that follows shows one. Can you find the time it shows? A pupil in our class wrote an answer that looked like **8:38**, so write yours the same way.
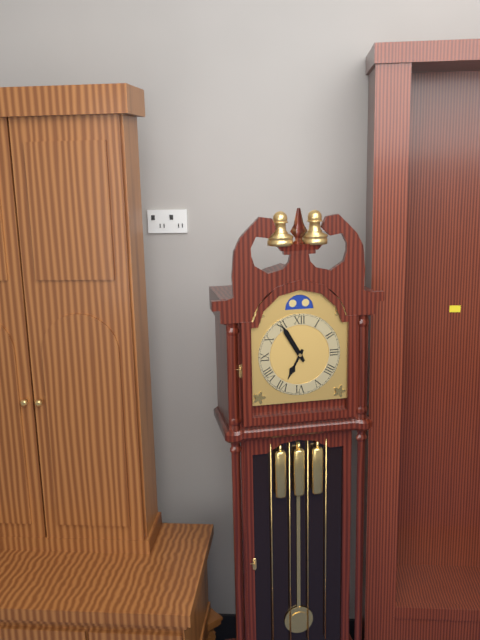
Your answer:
**6:55**
